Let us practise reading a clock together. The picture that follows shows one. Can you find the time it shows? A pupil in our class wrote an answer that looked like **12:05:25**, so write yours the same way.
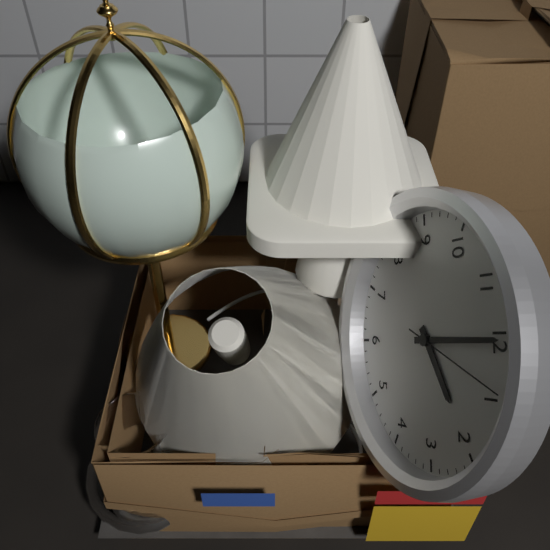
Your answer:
**2:00:04**
